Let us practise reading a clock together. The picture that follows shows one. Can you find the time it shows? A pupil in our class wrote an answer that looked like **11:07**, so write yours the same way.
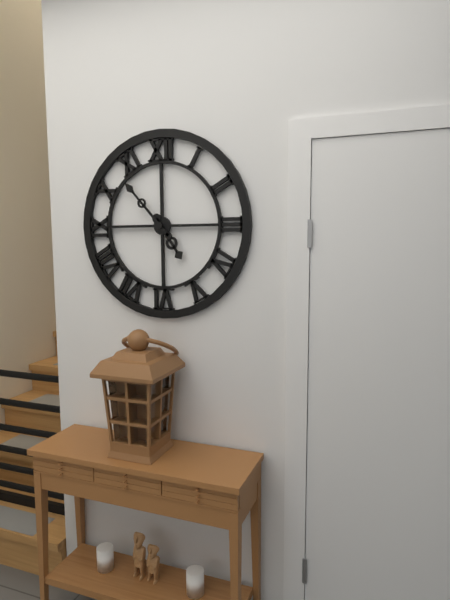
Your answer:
**4:53**
